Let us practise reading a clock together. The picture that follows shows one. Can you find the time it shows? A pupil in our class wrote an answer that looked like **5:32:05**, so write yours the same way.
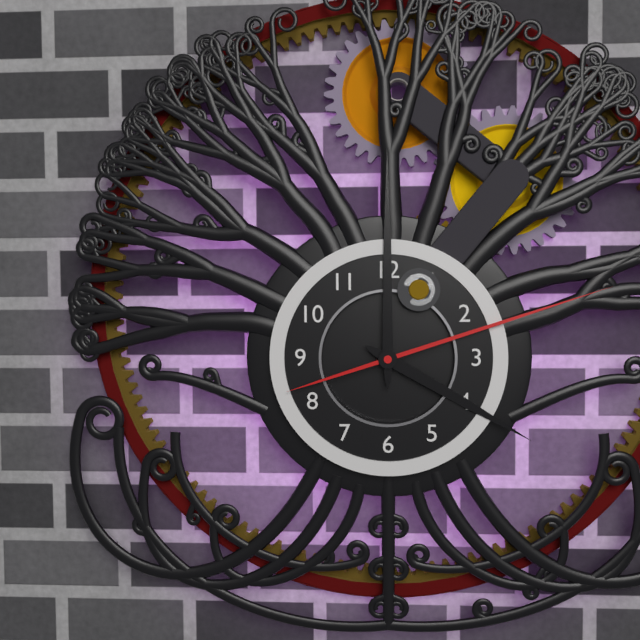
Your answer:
**4:00:12**
